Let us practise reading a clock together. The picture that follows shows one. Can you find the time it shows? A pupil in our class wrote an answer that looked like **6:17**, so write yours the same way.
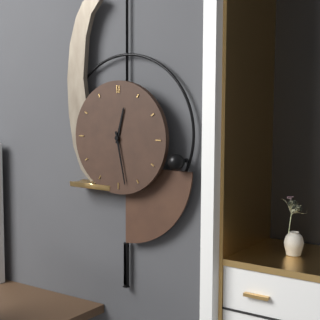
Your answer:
**12:28**
